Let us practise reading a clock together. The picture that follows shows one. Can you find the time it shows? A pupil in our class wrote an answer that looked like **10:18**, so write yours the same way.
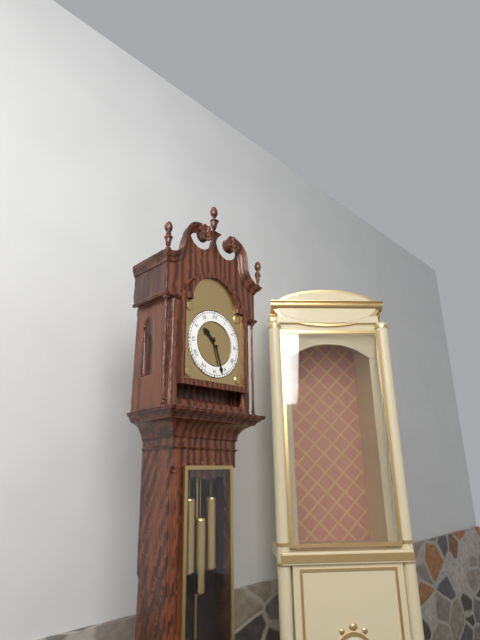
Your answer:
**10:27**
